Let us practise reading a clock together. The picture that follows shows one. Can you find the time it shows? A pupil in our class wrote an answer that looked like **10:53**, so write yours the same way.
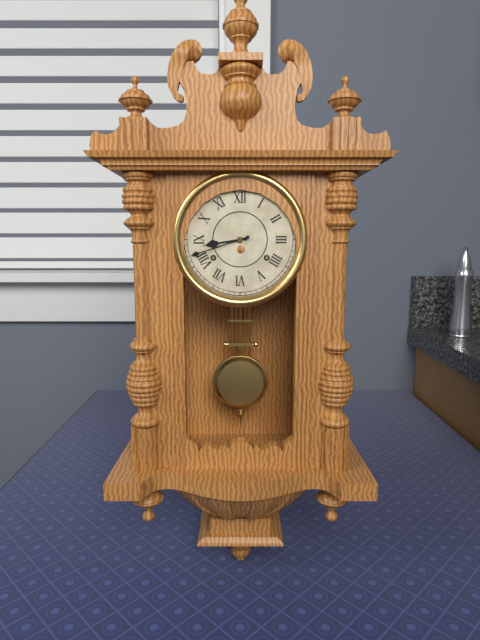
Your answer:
**8:42**
